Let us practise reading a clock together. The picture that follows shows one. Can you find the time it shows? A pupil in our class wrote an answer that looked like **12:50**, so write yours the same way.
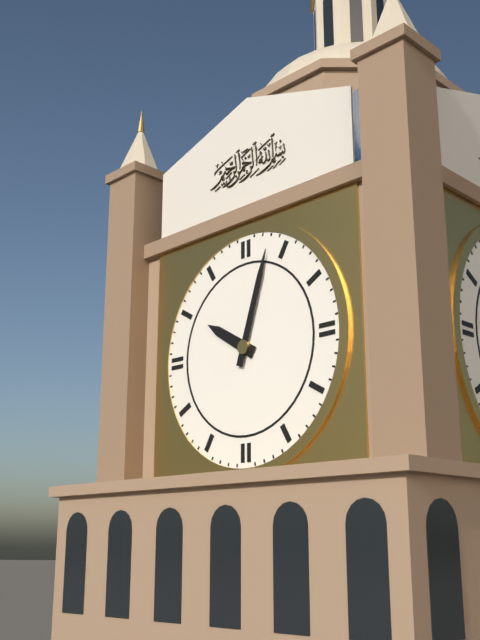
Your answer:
**10:03**
